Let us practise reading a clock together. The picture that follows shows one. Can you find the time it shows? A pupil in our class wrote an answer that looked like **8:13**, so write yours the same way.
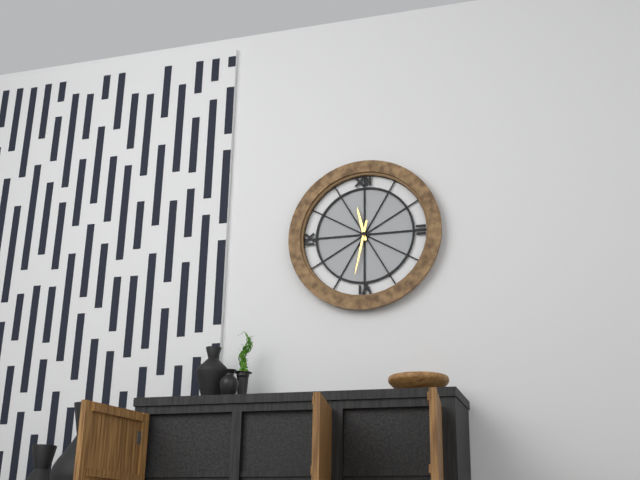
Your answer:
**11:32**
